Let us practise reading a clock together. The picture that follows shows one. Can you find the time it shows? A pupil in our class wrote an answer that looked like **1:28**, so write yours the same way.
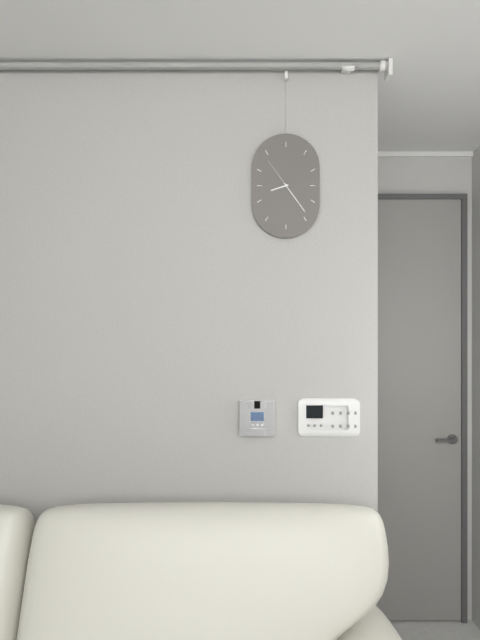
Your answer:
**8:24**
